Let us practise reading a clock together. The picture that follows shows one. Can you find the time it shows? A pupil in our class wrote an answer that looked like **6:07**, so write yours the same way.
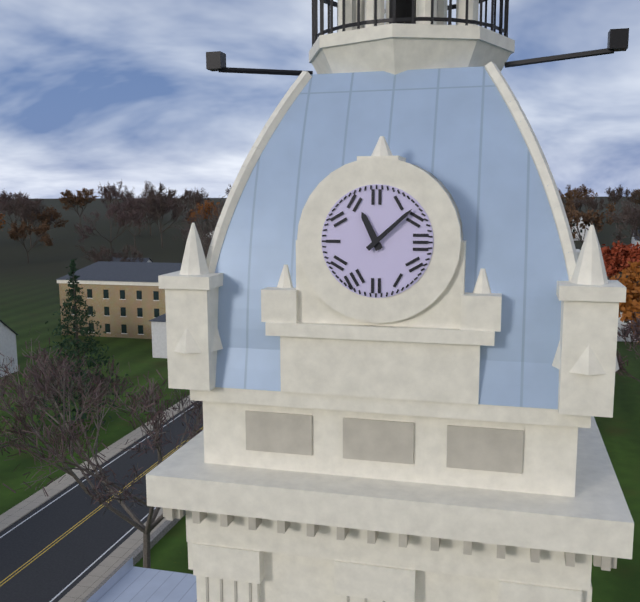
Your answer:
**11:08**
